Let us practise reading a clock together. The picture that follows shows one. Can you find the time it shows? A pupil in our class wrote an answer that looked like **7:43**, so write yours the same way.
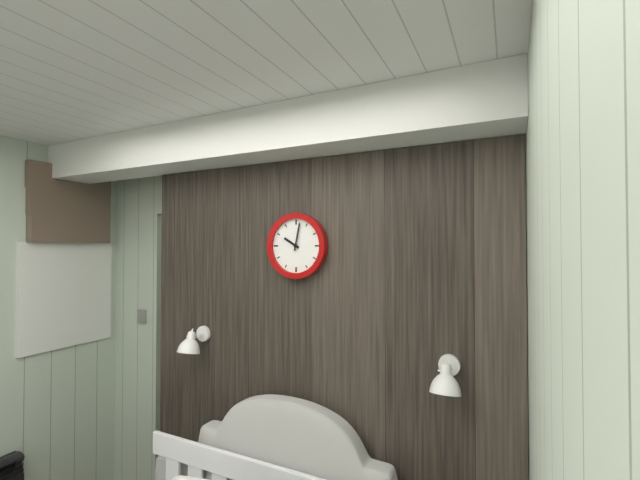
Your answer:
**10:02**
